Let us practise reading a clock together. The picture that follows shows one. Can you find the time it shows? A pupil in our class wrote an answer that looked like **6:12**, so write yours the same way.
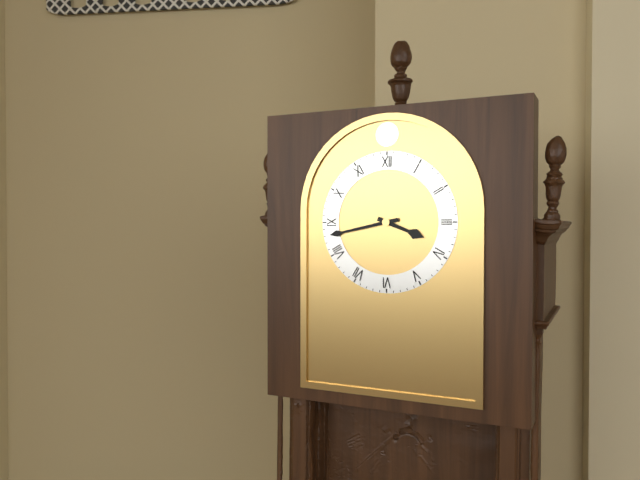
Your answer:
**3:43**
